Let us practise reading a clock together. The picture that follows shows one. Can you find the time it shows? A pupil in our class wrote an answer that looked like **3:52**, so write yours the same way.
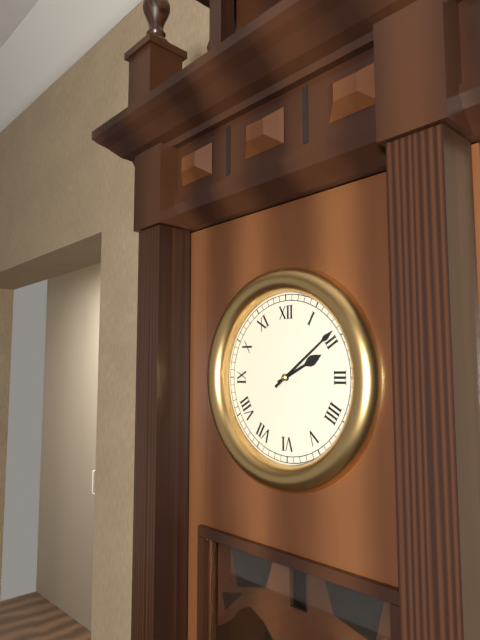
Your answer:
**2:09**
